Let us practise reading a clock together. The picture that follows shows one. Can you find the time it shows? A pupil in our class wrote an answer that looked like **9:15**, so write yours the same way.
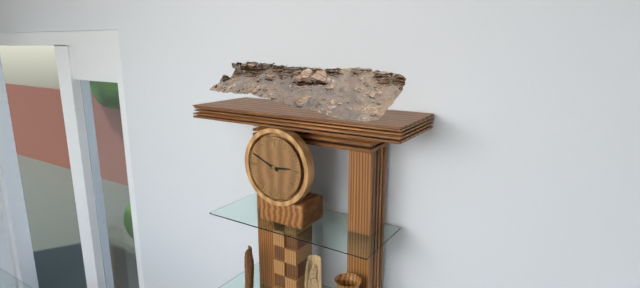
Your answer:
**2:49**
